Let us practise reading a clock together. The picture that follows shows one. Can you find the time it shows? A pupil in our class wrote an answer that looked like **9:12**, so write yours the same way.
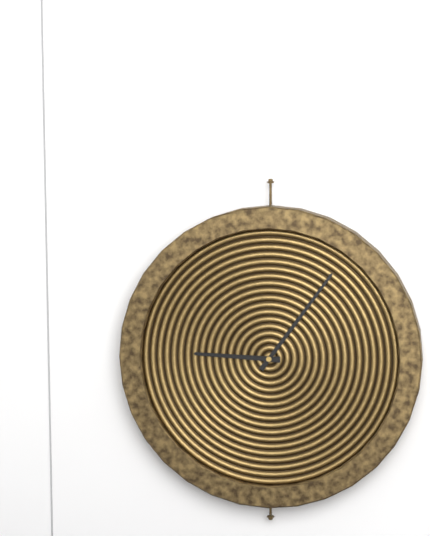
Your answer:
**9:06**
